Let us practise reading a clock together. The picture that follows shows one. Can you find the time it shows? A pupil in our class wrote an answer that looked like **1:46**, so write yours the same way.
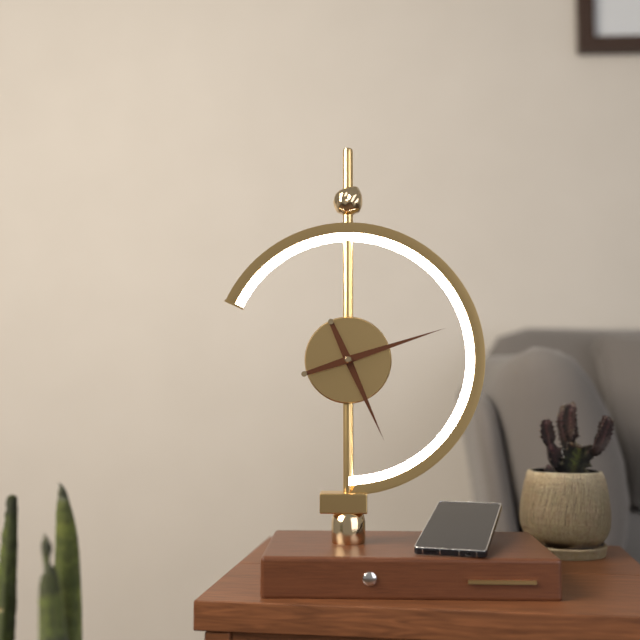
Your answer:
**5:12**
